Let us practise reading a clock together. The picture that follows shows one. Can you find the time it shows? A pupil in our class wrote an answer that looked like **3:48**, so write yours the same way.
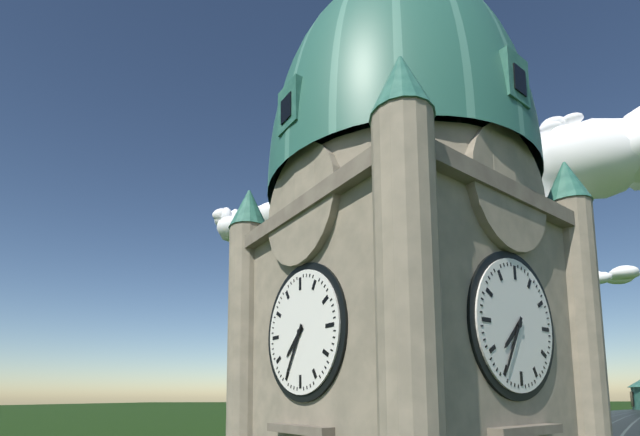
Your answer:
**7:35**
